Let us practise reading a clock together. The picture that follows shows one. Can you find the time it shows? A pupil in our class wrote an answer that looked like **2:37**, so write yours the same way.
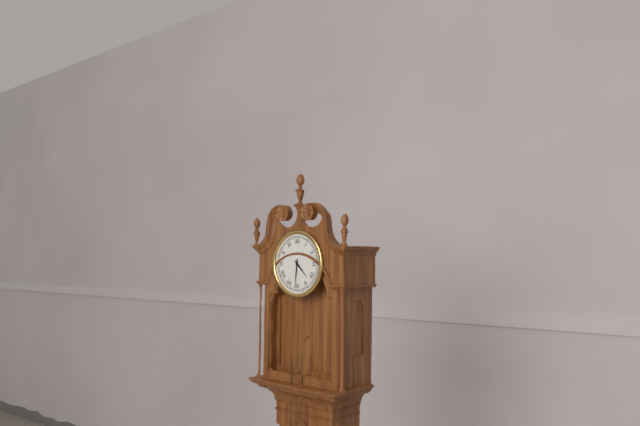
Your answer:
**4:31**
